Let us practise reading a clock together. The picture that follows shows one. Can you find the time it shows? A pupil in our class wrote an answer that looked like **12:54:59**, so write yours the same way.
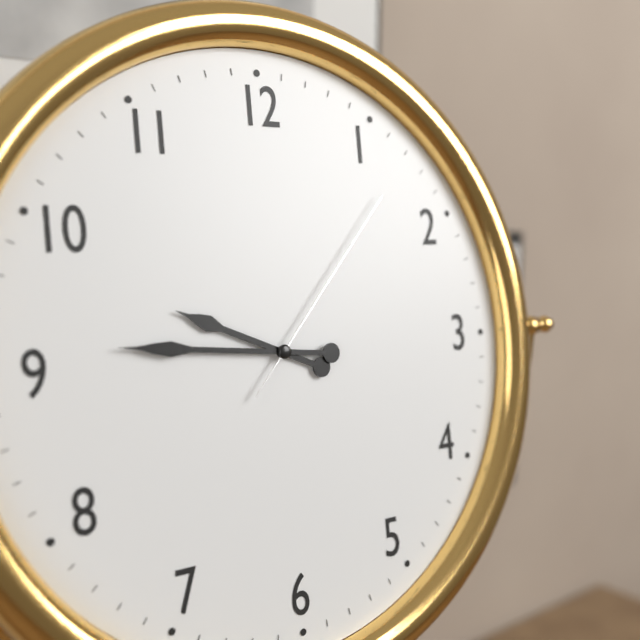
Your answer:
**9:46:07**
